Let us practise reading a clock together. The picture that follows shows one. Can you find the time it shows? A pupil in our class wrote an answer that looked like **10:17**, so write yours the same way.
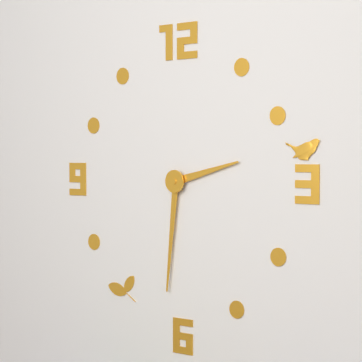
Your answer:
**2:31**
